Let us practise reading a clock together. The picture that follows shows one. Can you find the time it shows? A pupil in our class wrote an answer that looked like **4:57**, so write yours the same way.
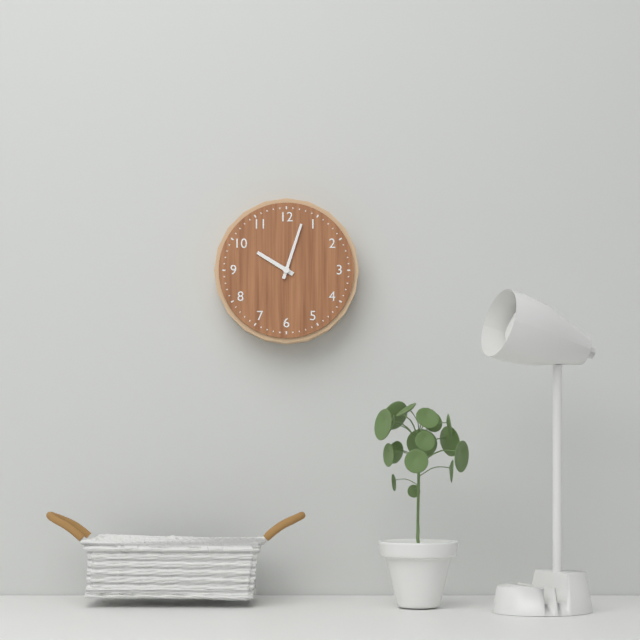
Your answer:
**10:03**
